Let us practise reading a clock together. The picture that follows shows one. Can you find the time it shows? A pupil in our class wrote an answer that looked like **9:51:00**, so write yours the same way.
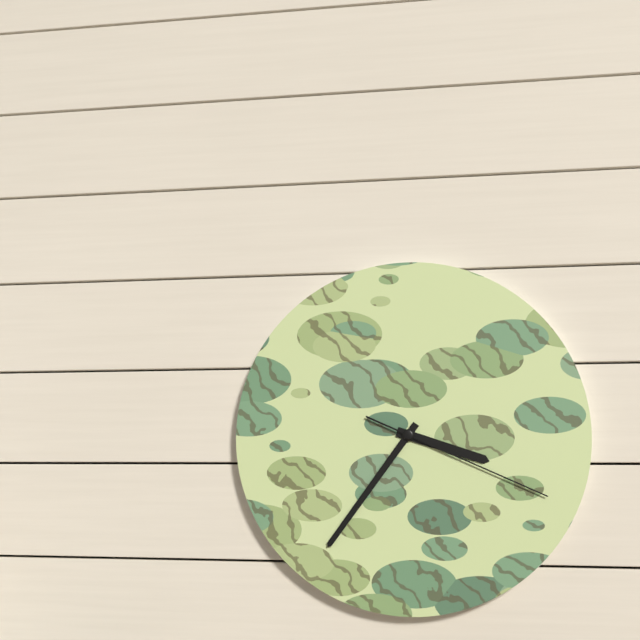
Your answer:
**3:36:19**
